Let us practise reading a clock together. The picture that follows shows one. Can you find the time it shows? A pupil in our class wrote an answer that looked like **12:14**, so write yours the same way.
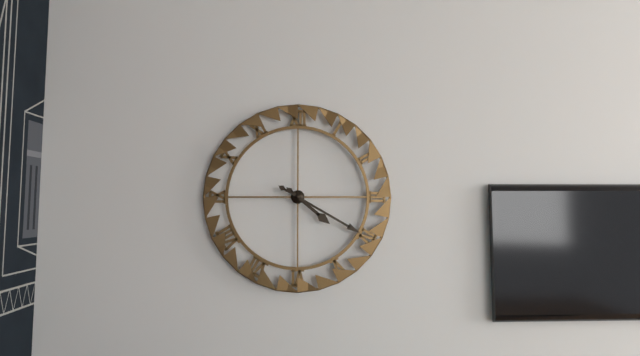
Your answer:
**4:20**
